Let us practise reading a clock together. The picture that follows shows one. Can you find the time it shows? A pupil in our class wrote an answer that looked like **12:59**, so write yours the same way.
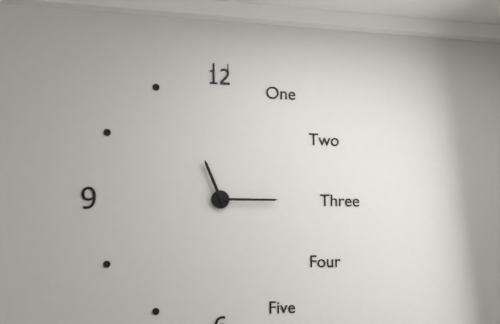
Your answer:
**11:15**
